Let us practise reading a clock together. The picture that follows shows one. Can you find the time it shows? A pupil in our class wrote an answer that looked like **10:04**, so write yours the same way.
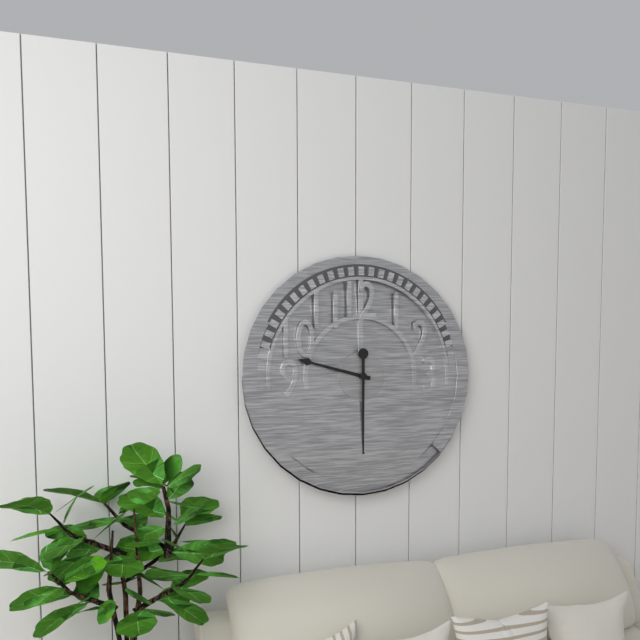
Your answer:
**9:30**
